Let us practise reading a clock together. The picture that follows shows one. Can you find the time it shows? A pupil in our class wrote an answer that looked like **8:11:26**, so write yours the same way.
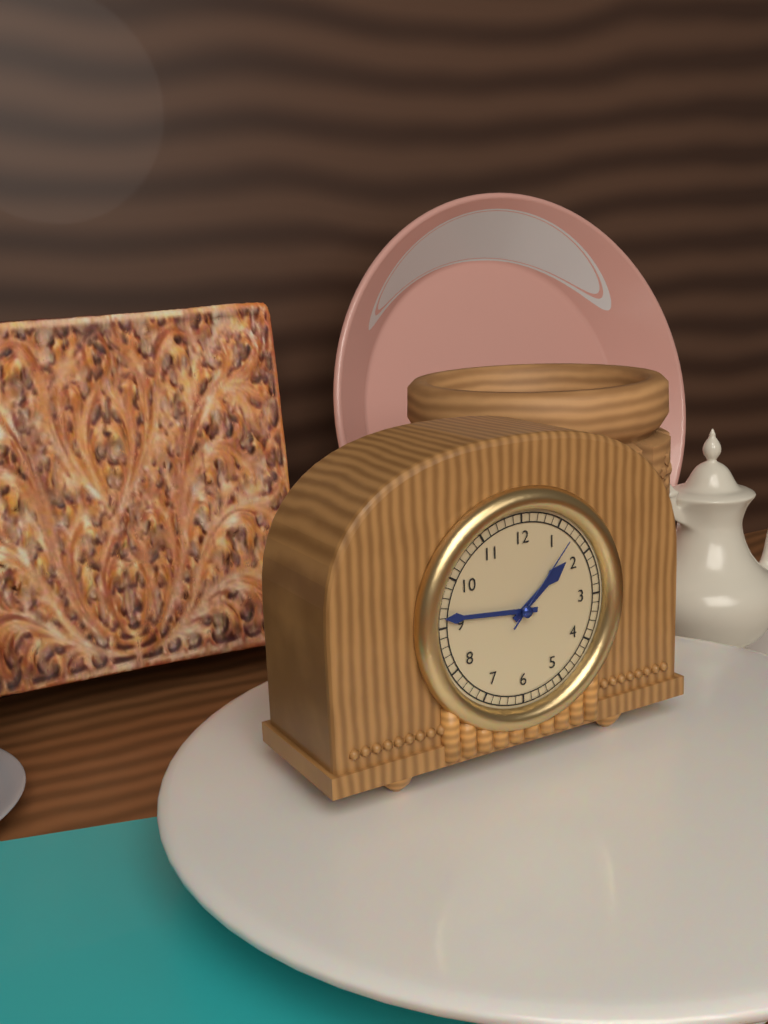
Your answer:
**1:46:07**
